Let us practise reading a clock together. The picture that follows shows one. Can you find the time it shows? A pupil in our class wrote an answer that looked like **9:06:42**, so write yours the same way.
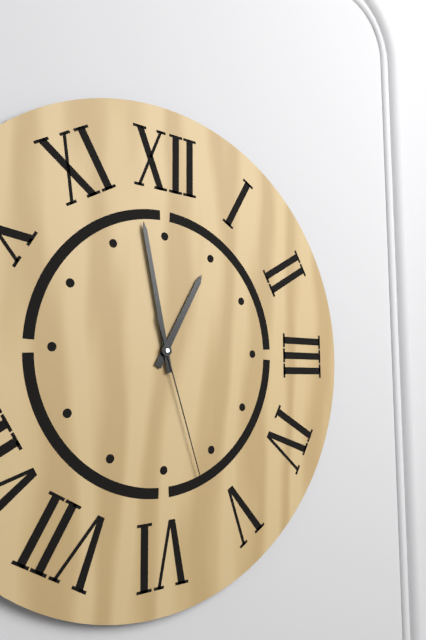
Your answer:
**12:58:27**
